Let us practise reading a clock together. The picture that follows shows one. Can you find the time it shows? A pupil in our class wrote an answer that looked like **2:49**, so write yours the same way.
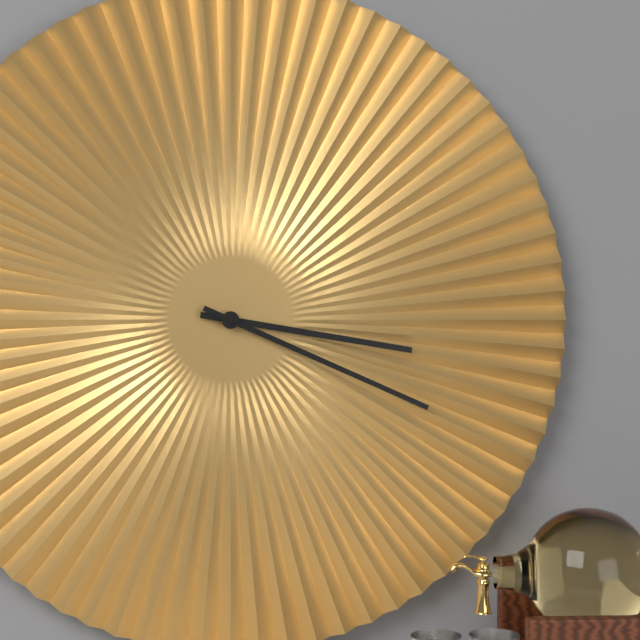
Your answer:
**3:19**
